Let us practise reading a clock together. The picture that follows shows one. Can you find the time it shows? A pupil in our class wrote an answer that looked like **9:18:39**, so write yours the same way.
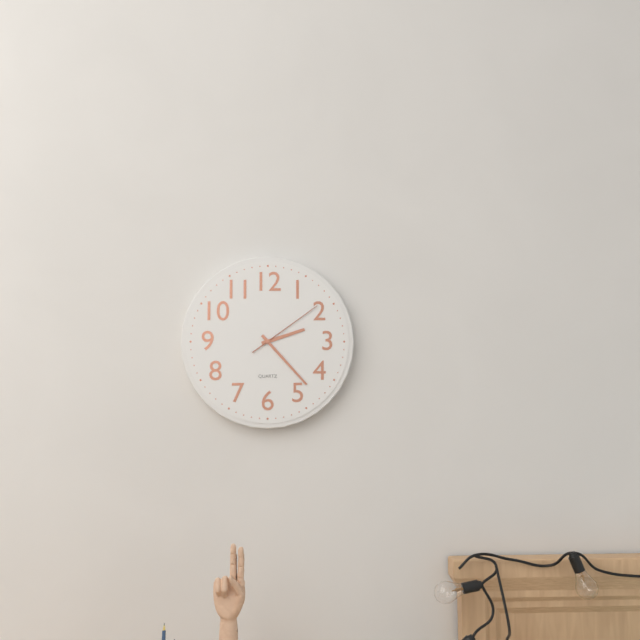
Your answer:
**2:23:09**
